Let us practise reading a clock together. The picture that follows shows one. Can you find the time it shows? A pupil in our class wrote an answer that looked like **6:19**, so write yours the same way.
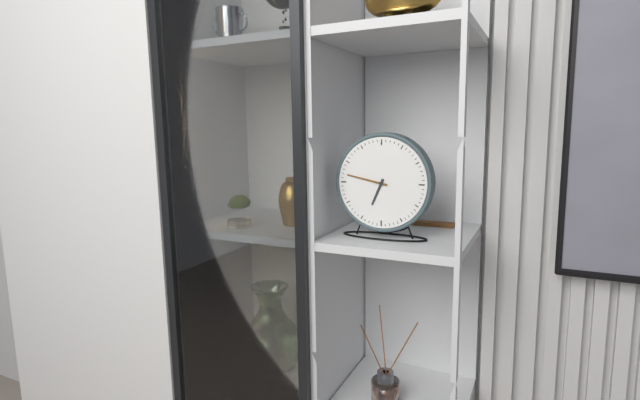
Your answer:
**6:47**
